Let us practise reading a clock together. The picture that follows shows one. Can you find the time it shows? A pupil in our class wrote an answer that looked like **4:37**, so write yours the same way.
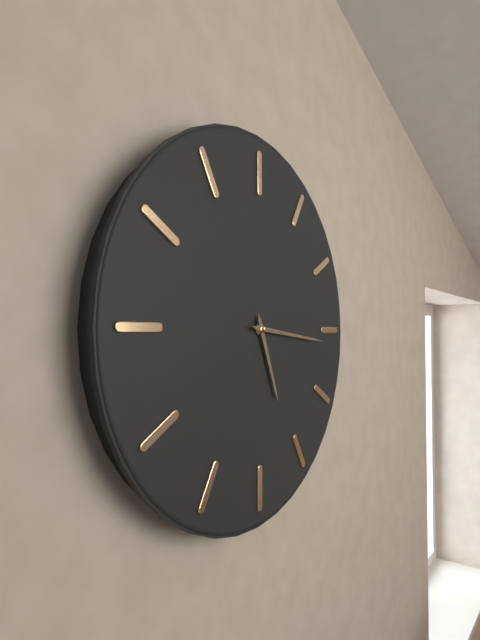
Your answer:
**5:16**
